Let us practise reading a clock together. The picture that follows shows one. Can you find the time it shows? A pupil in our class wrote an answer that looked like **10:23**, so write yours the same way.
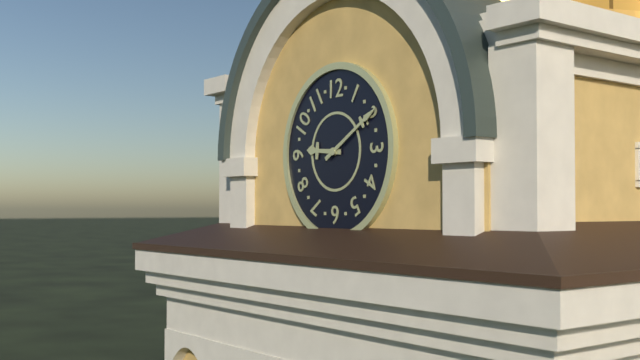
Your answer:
**9:10**
